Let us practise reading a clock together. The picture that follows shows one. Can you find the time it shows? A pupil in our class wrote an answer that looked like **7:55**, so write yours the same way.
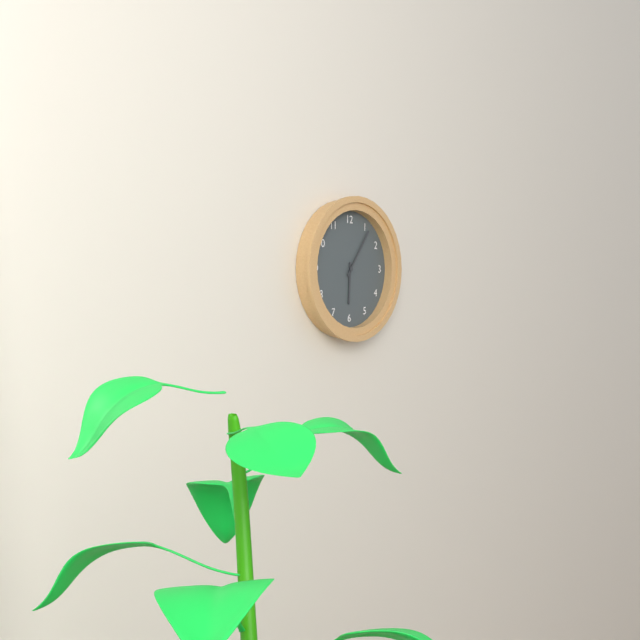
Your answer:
**6:06**
